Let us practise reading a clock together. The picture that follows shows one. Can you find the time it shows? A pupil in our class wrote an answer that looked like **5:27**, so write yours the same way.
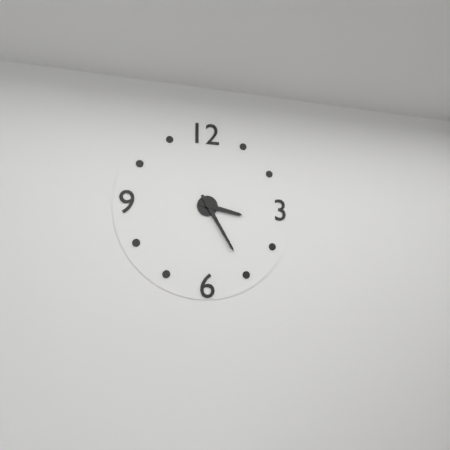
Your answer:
**3:25**
